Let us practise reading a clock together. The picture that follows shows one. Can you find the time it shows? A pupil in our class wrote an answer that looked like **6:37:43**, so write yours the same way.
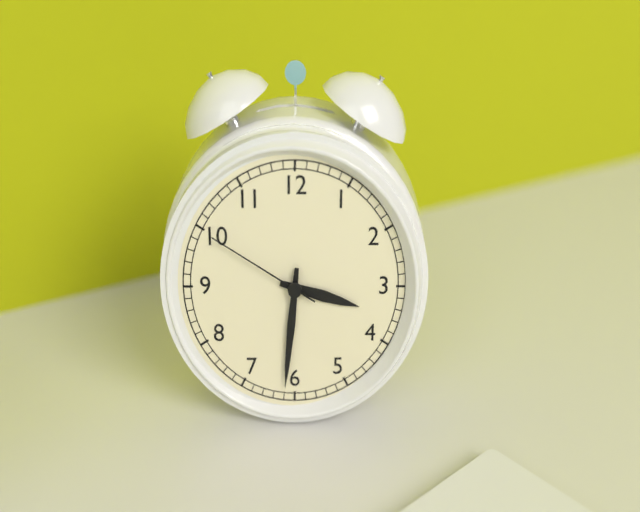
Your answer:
**3:31:50**
